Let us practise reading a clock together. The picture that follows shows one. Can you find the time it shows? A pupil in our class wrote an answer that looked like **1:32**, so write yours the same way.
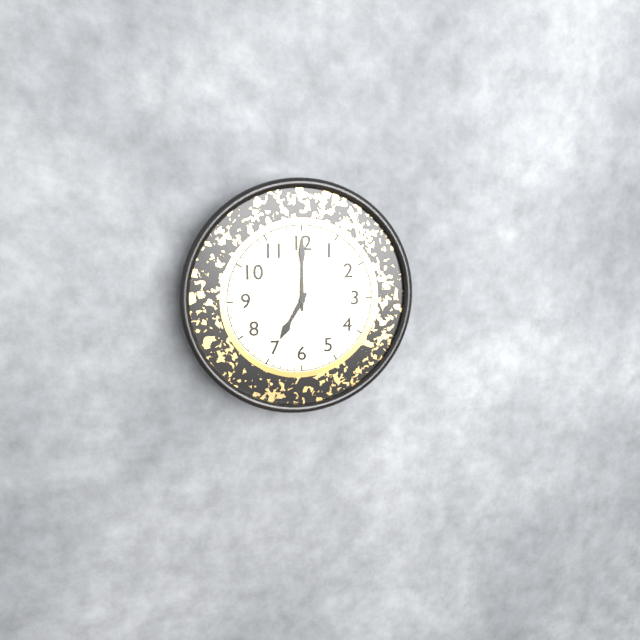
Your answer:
**7:00**
